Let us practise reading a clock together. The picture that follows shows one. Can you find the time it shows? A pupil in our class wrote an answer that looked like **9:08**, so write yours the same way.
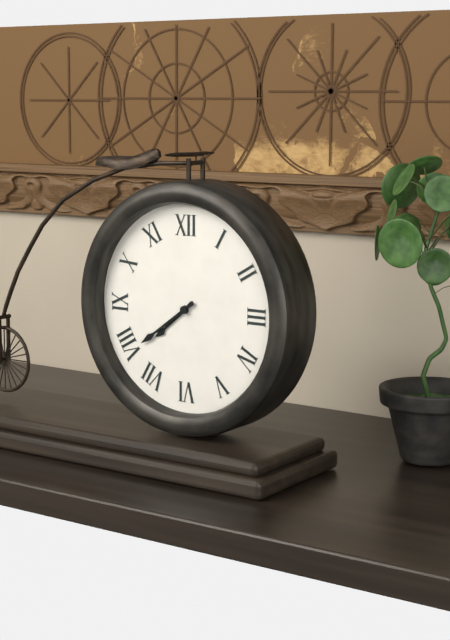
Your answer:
**7:39**
